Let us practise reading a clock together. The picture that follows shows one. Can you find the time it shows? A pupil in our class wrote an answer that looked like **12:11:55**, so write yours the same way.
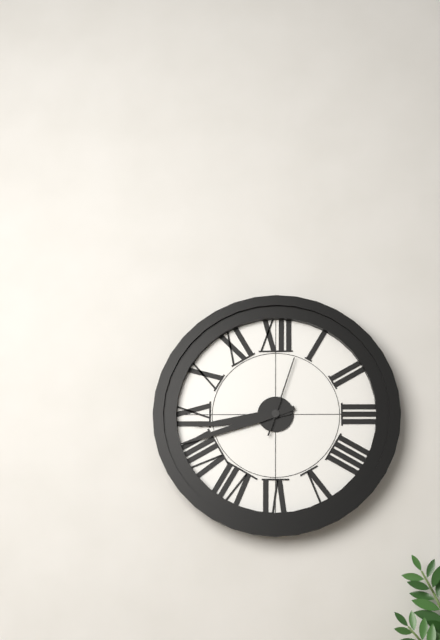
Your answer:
**8:42:03**
